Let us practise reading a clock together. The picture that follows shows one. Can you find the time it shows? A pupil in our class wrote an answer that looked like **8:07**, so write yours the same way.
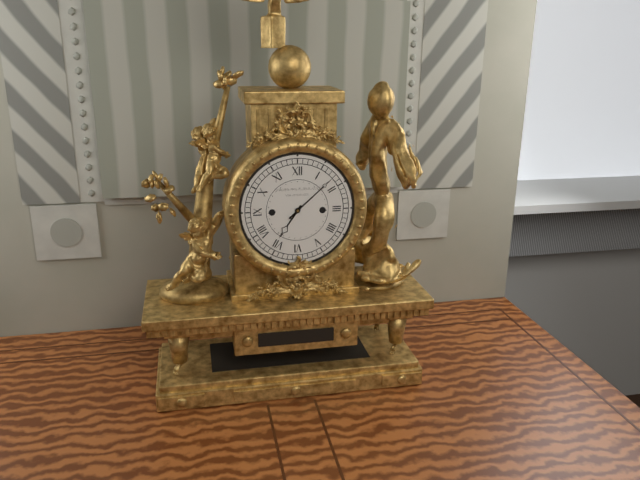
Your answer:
**7:08**
